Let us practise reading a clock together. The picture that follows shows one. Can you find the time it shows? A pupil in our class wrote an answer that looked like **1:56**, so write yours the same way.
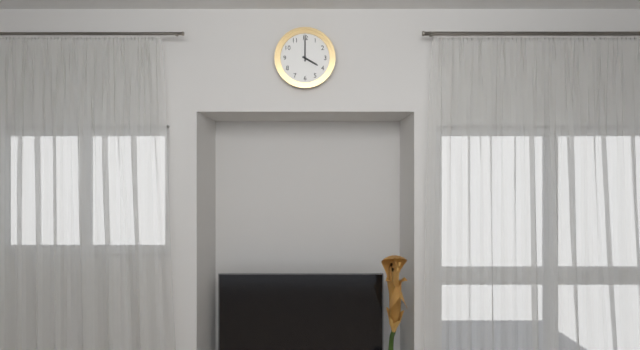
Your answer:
**4:00**
